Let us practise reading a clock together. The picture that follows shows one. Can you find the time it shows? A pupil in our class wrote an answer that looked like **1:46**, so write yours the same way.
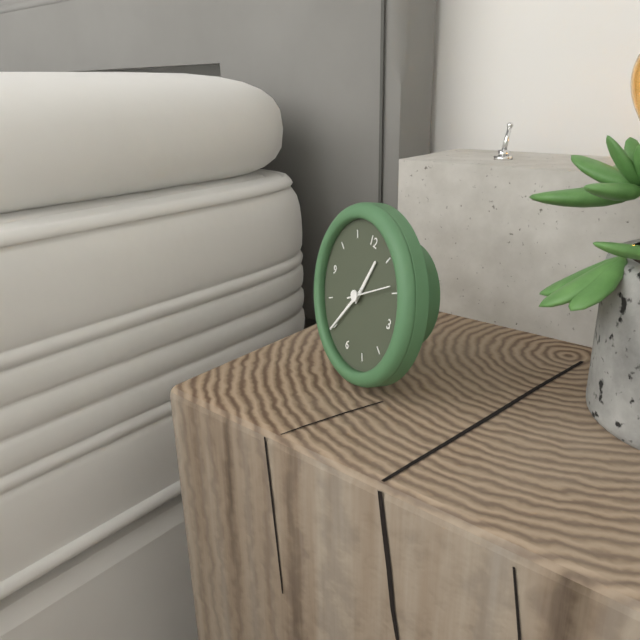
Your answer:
**12:35**
